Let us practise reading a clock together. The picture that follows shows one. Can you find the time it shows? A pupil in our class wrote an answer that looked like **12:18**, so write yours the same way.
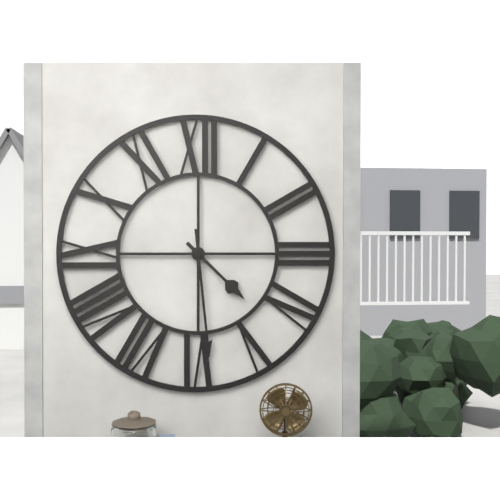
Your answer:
**4:29**
